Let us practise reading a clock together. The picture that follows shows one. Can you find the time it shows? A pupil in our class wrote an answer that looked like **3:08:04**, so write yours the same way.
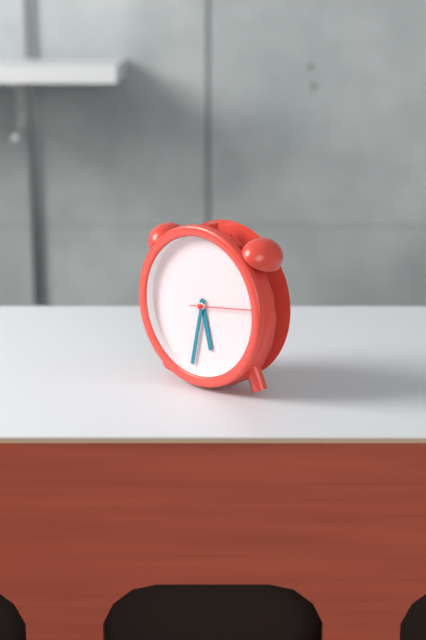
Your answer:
**5:32:14**
